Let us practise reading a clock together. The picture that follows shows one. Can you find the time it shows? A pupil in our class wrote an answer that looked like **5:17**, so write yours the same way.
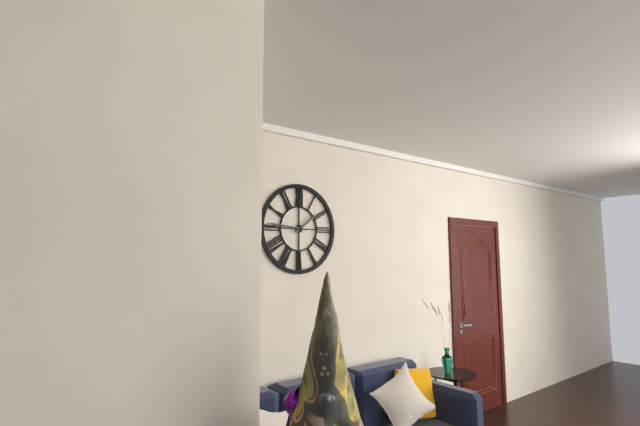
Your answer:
**1:46**
